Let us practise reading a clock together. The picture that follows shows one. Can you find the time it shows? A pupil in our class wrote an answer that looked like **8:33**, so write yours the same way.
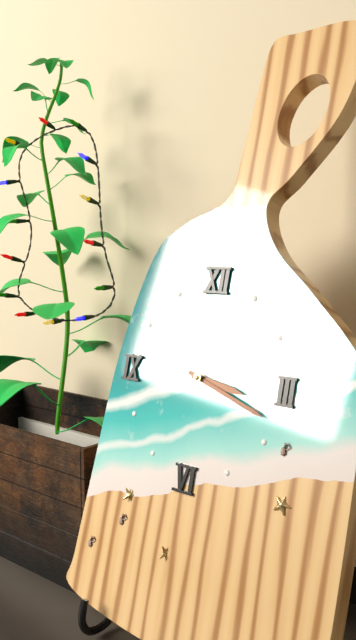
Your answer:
**3:18**
